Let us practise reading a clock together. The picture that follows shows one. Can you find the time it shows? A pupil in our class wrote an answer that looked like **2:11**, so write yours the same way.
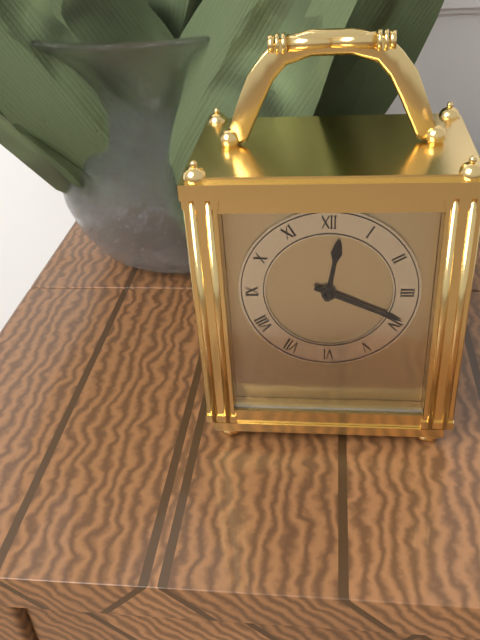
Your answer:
**12:19**
